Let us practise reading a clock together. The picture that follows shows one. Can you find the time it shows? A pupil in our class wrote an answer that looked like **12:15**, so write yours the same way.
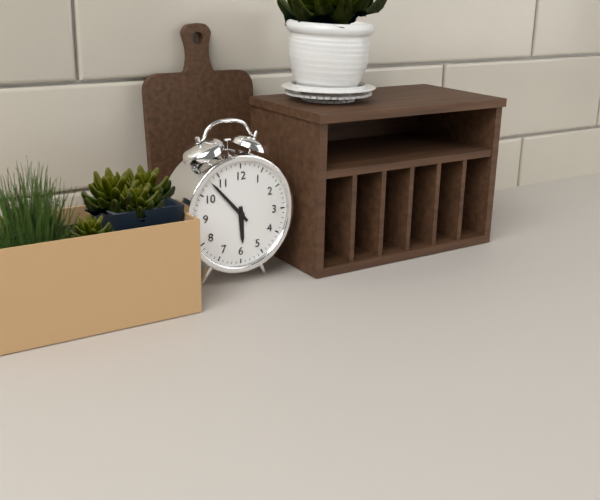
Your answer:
**5:53**
